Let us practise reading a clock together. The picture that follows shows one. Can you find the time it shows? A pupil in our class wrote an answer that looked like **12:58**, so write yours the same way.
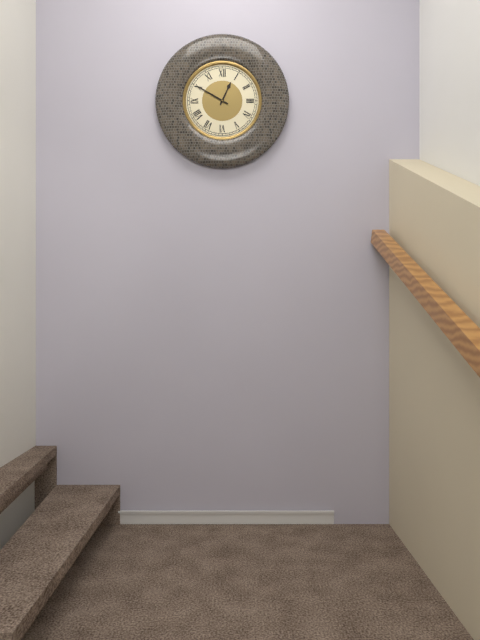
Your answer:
**12:50**
